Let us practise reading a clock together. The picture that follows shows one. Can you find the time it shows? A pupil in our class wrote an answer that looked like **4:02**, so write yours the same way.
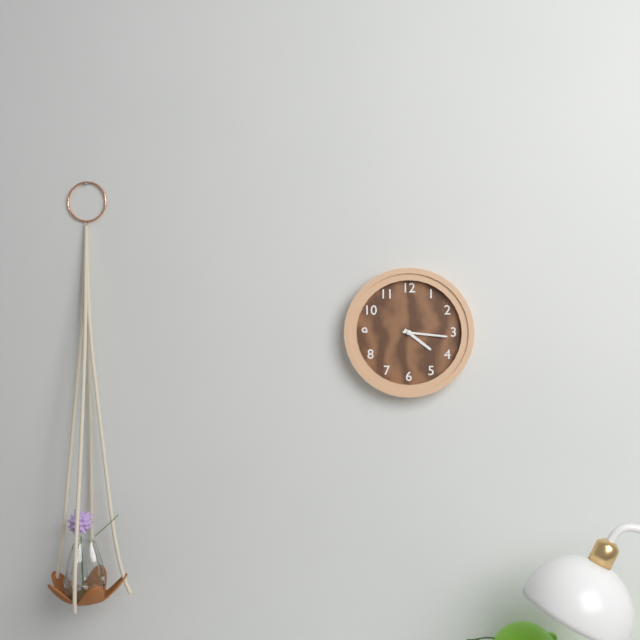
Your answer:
**4:16**
